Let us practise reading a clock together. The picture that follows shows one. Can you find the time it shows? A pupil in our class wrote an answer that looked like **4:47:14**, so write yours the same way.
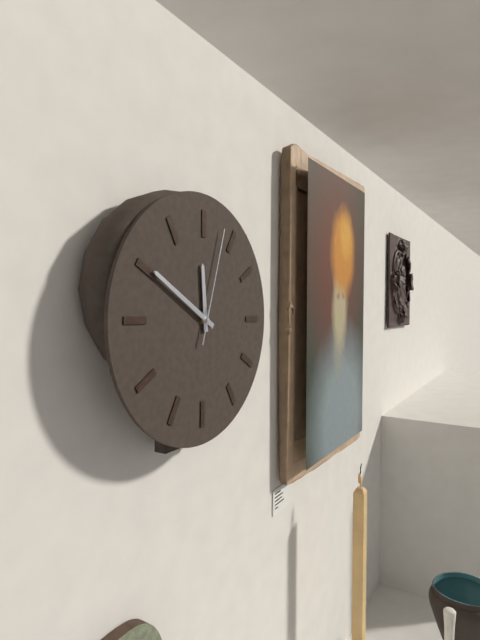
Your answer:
**11:50:03**
